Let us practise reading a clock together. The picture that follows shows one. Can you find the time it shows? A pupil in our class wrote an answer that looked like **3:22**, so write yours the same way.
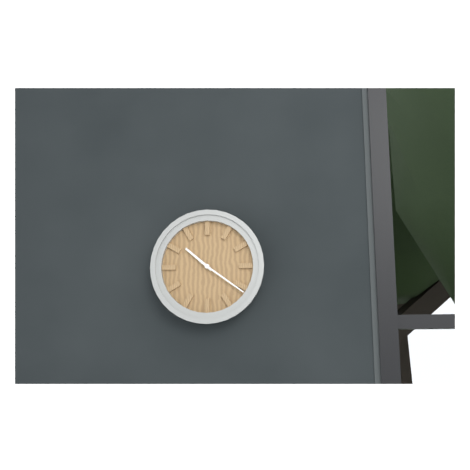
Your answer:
**10:21**
